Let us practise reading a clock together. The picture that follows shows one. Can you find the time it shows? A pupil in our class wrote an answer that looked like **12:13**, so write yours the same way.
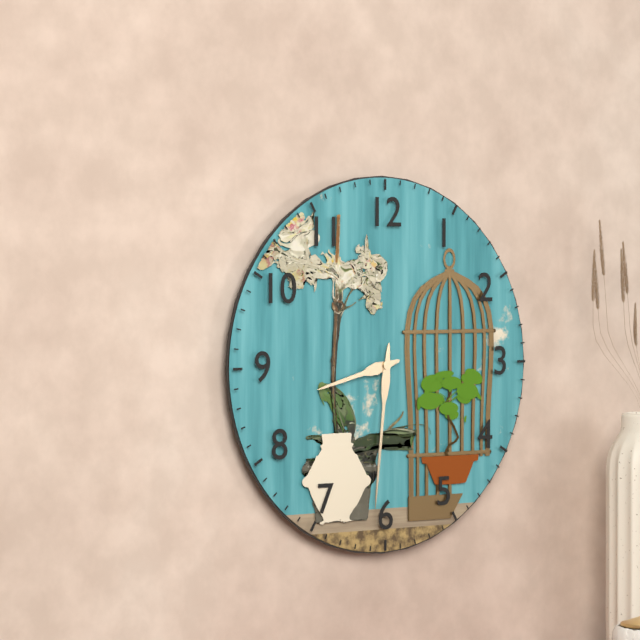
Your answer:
**8:31**
